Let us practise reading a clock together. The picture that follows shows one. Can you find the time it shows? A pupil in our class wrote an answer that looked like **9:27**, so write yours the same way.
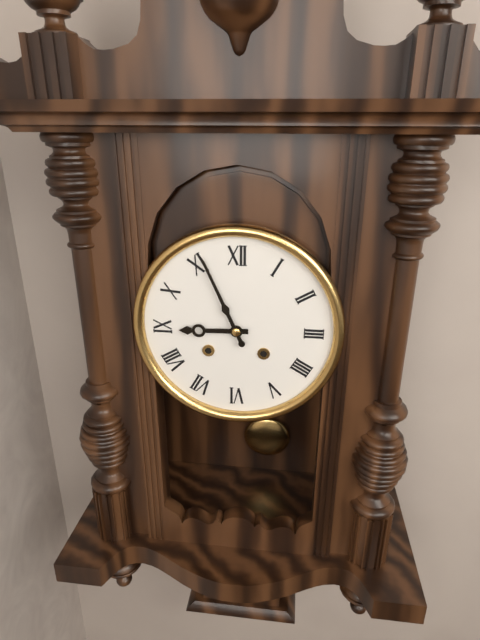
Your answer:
**8:56**
